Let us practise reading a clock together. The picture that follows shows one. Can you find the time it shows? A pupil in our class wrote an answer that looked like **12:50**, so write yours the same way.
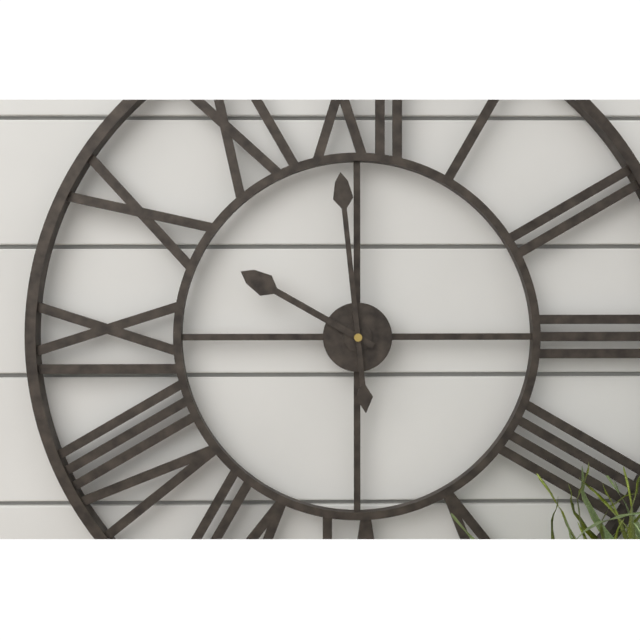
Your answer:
**9:59**
